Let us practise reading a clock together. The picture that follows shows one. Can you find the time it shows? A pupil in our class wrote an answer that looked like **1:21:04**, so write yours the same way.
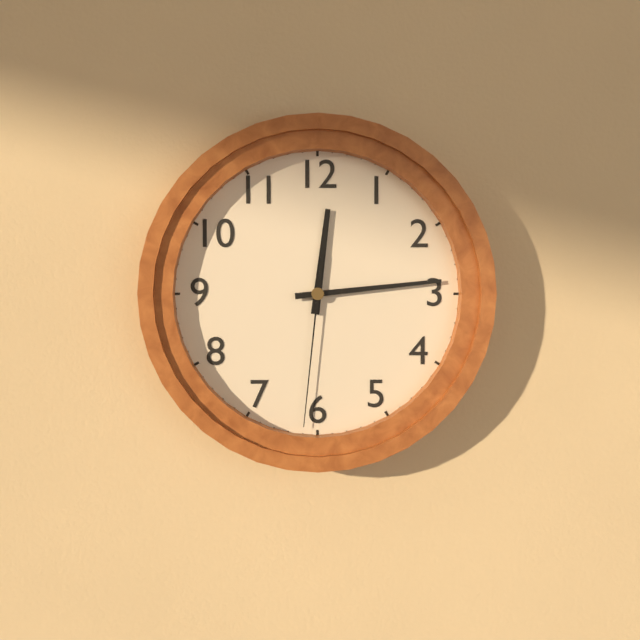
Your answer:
**12:14:31**
